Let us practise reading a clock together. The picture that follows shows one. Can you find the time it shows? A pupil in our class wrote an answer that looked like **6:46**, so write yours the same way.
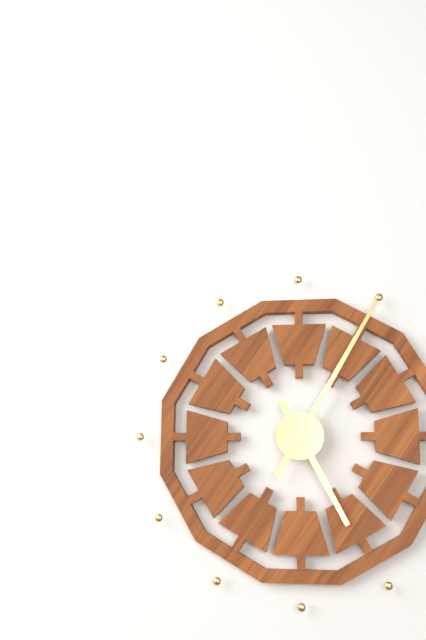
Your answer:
**5:05**
